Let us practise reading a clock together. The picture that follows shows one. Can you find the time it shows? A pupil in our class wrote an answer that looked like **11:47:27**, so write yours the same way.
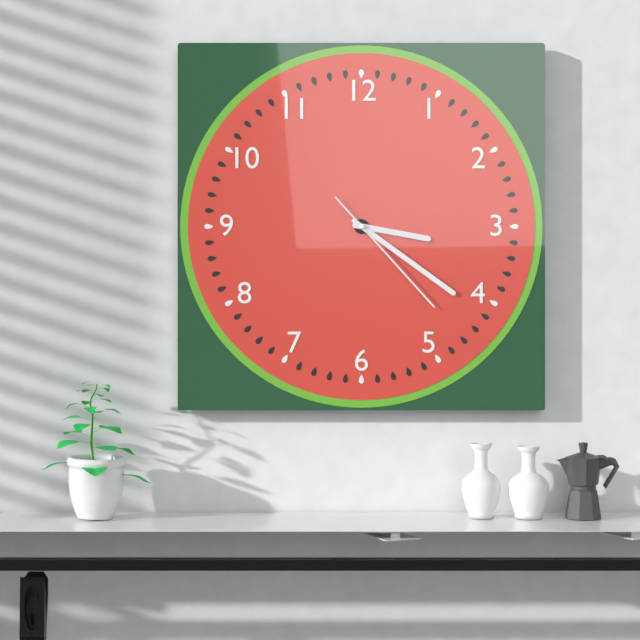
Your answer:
**3:21:23**
